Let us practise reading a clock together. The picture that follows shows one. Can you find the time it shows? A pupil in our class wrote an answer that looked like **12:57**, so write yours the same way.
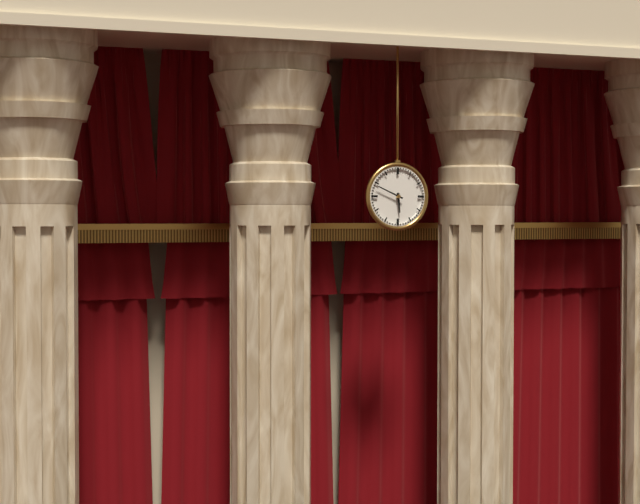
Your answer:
**5:49**
